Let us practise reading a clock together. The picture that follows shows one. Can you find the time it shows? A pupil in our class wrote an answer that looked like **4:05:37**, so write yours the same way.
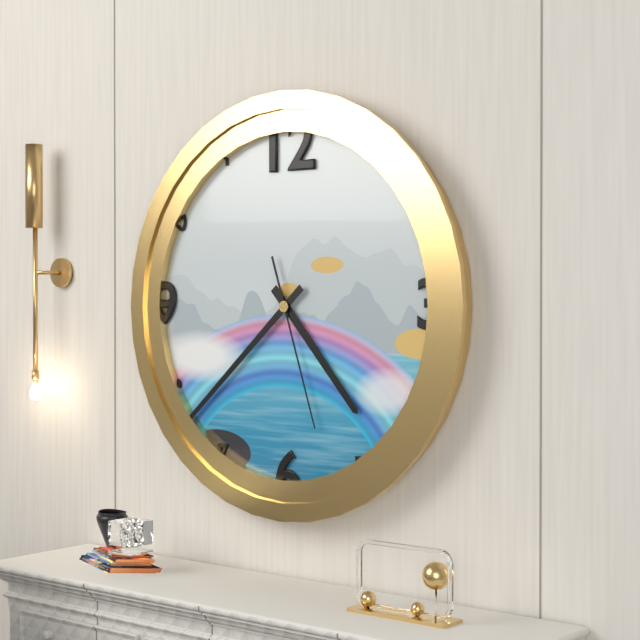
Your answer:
**4:38:27**
